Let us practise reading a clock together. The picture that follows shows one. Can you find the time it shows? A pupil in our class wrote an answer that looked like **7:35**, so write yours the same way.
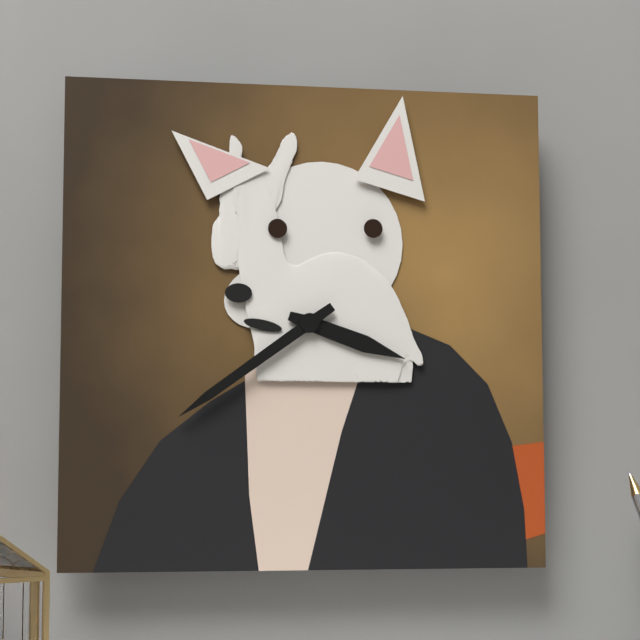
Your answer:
**3:39**
